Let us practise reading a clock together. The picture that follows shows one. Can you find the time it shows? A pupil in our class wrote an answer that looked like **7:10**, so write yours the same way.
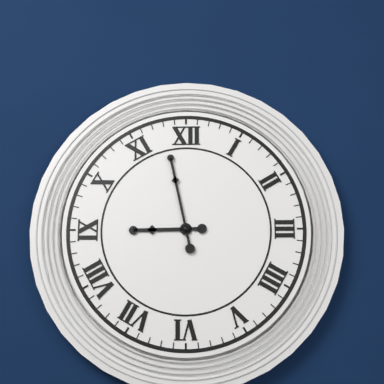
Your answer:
**8:58**
